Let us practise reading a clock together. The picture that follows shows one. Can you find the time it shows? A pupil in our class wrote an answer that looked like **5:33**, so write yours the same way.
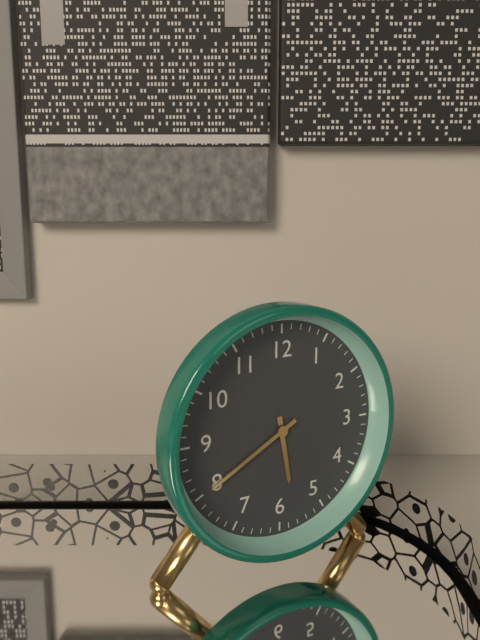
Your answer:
**5:40**
